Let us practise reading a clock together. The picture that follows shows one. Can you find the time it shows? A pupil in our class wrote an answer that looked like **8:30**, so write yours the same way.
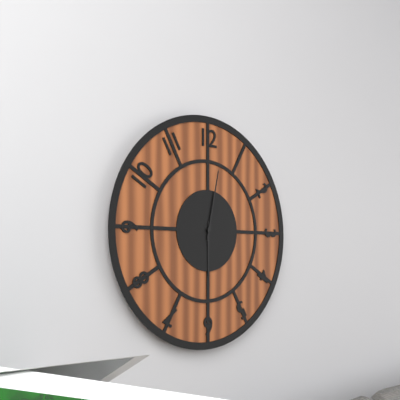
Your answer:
**6:02**
